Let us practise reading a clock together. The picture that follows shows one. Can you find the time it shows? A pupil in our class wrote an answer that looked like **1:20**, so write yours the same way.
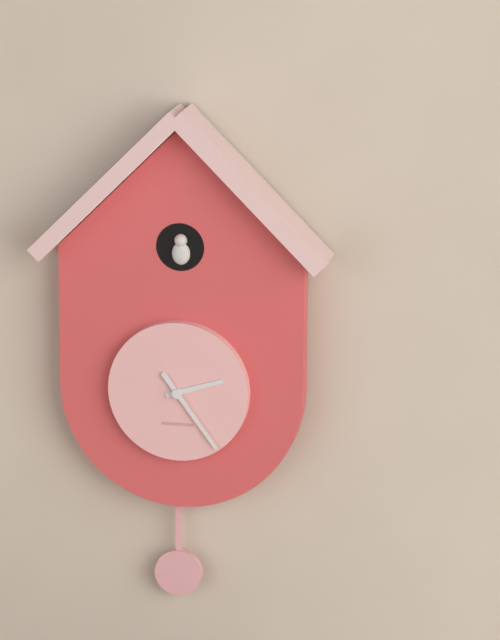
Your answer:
**2:24**
